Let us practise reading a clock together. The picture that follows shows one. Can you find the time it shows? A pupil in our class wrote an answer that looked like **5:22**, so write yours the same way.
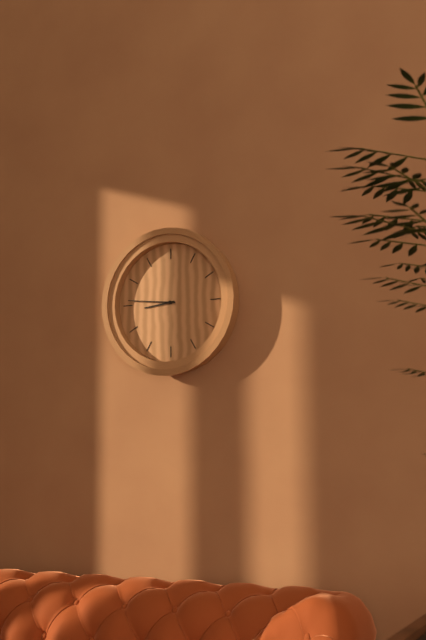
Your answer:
**8:46**
